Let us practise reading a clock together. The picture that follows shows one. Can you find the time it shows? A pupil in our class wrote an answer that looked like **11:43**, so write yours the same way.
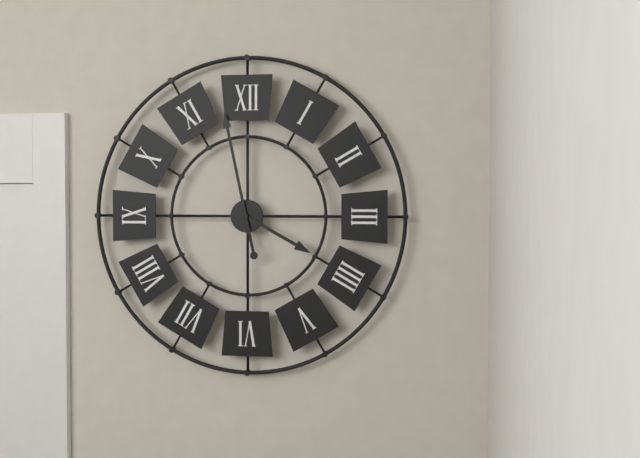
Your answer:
**3:58**
